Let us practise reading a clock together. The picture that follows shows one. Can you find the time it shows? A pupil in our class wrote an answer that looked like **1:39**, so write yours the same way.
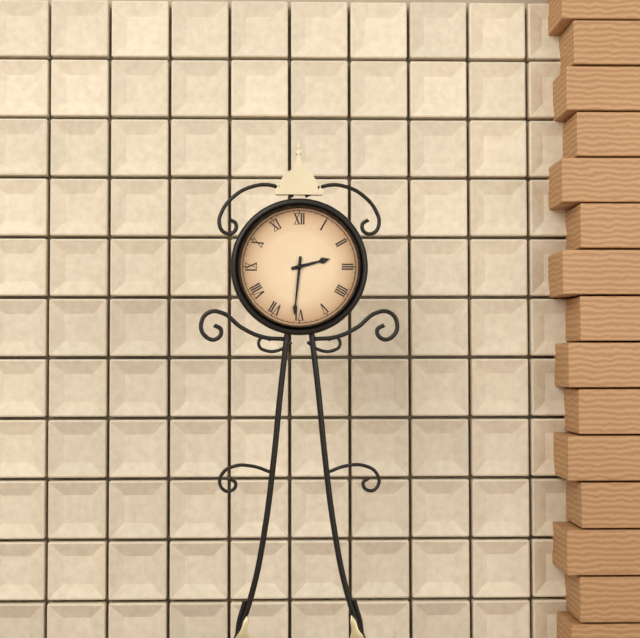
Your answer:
**2:31**
